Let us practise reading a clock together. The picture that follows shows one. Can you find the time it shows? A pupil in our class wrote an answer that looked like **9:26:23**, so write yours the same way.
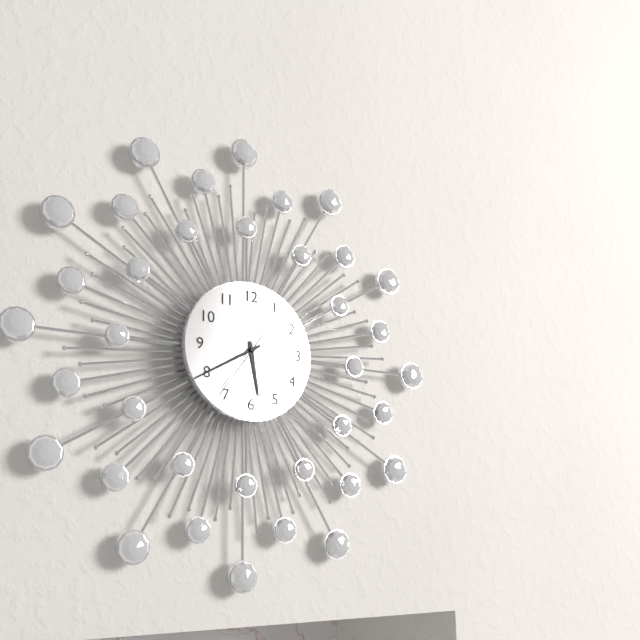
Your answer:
**5:40:36**
